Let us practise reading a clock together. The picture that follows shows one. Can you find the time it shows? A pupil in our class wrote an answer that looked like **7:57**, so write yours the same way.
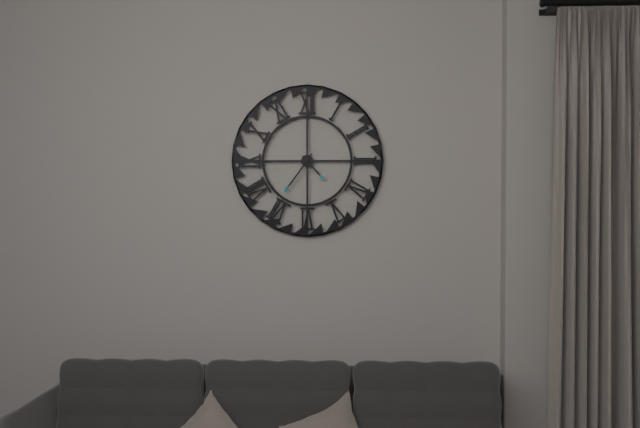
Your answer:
**4:36**
